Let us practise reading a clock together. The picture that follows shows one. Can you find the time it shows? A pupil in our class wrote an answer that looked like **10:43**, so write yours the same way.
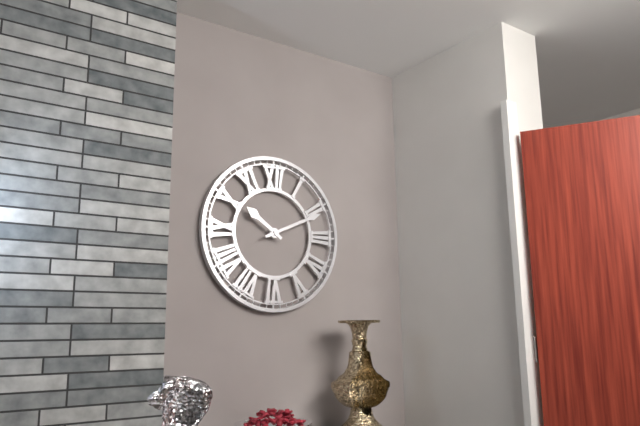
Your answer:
**10:11**
